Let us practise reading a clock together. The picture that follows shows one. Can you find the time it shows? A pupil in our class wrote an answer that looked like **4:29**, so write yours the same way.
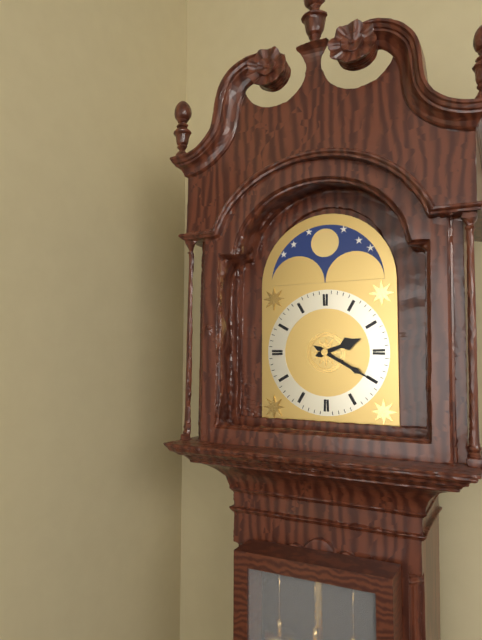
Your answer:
**2:20**
